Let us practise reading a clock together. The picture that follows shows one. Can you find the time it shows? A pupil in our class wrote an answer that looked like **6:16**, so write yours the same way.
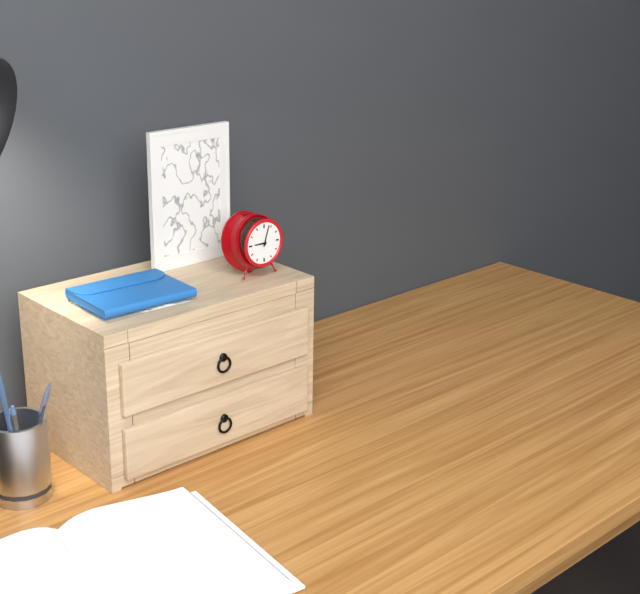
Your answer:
**9:03**
